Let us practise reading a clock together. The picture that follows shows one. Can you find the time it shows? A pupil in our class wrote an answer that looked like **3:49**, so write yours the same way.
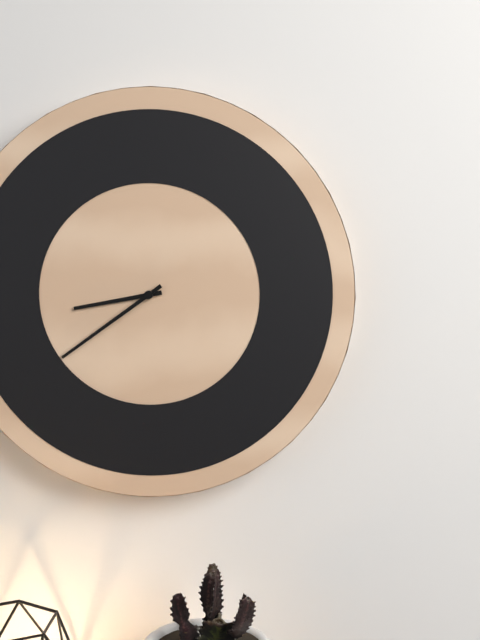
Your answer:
**8:39**
